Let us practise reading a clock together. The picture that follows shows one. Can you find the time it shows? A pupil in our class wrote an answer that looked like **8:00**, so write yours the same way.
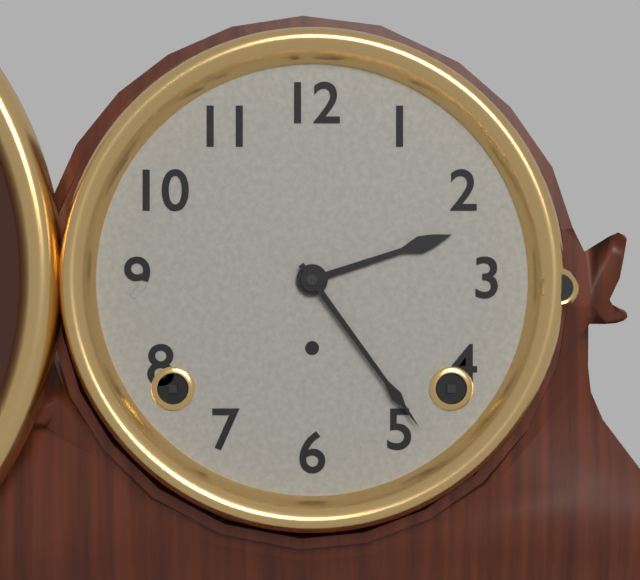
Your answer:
**2:24**
